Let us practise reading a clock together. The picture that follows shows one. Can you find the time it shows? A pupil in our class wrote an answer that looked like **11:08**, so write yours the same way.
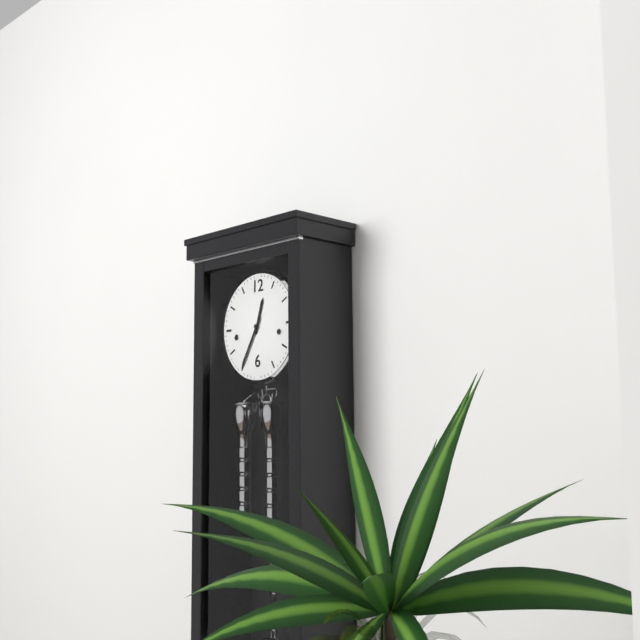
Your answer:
**12:35**
